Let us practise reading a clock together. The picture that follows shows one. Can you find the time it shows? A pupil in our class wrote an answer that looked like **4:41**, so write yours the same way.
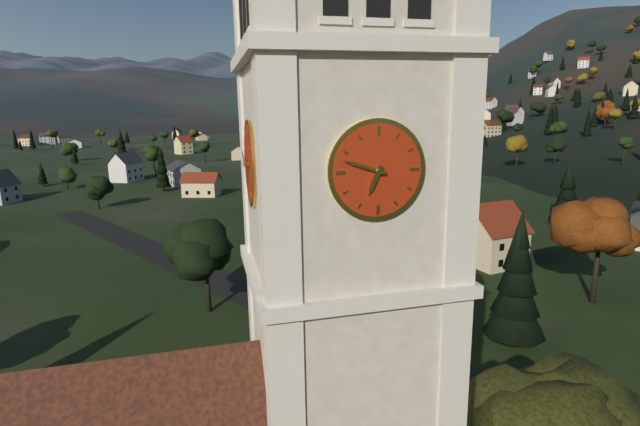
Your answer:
**6:48**
